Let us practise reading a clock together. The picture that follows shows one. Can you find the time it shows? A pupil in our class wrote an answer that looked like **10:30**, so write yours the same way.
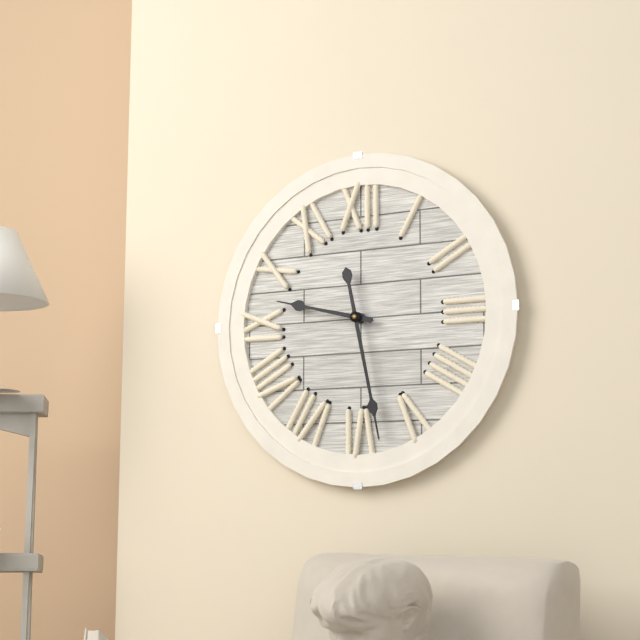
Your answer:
**9:28**
